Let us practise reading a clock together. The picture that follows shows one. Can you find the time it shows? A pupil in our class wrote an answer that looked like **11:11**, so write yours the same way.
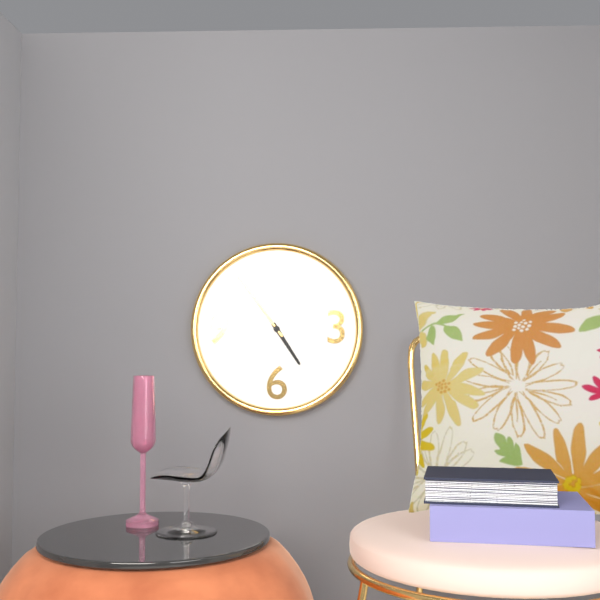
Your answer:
**4:54**
